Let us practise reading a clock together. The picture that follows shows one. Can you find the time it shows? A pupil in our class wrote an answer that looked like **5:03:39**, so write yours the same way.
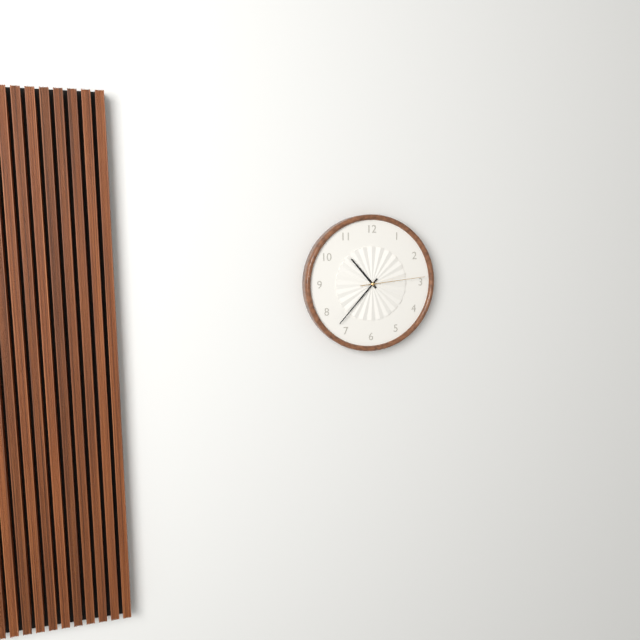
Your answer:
**10:37:14**
